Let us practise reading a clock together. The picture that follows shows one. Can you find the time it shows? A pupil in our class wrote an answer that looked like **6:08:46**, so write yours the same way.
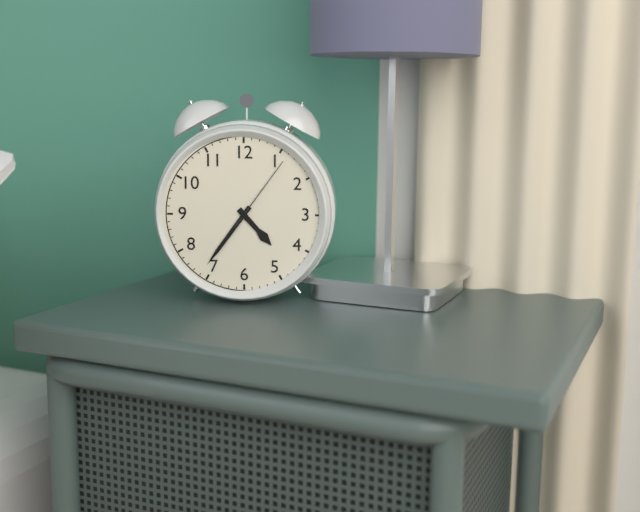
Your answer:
**4:36:06**
